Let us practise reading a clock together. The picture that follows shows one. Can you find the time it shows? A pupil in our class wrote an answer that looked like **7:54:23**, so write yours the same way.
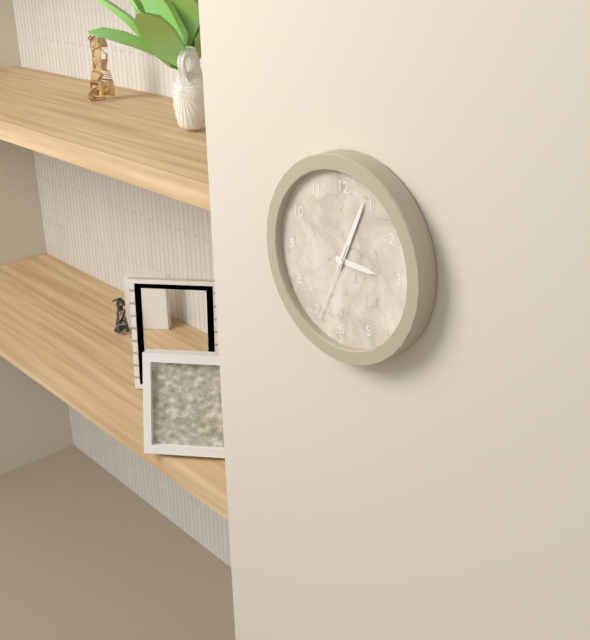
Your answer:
**3:04:34**
